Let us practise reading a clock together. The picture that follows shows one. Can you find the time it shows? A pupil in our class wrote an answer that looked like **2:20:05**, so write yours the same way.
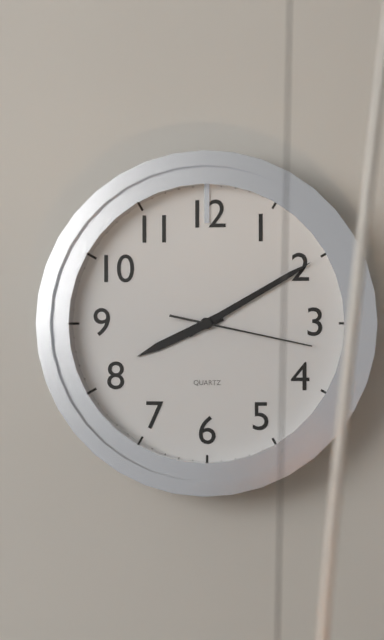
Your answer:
**8:10:17**
